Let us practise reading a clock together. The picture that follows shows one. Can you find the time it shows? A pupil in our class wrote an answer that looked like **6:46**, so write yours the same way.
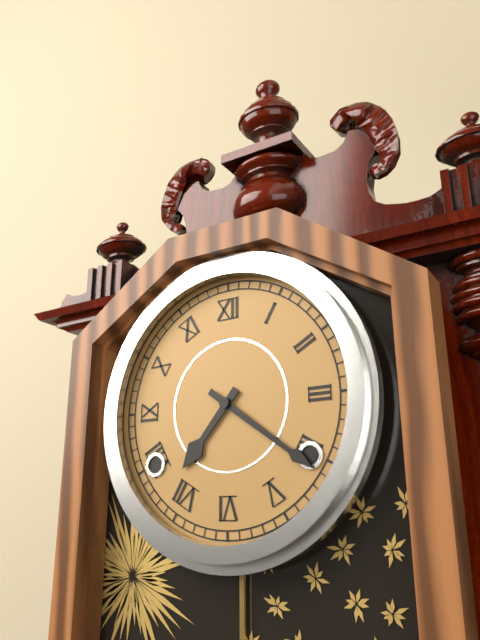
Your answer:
**7:21**
